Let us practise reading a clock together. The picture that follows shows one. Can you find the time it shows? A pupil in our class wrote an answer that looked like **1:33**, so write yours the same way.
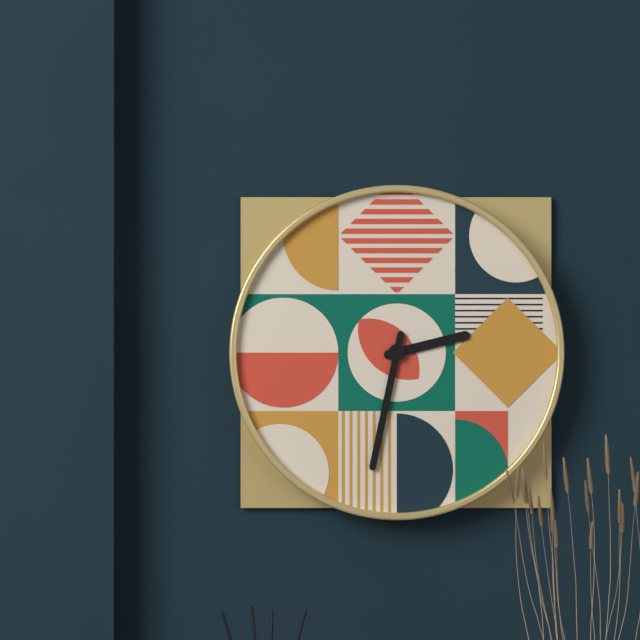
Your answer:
**2:32**
